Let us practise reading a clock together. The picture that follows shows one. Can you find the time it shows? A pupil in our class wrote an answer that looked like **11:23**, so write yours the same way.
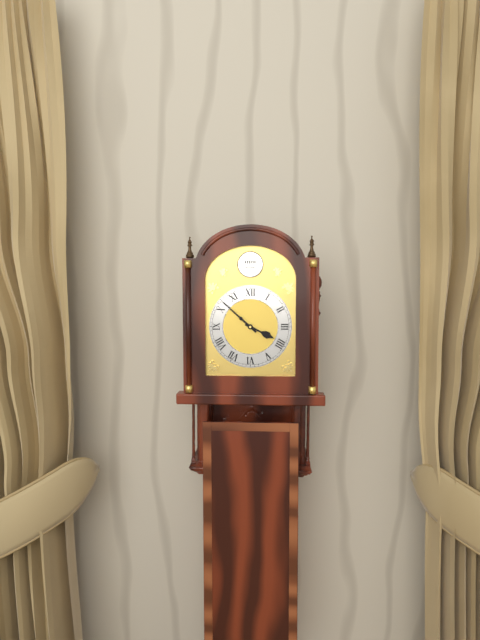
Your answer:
**3:52**
